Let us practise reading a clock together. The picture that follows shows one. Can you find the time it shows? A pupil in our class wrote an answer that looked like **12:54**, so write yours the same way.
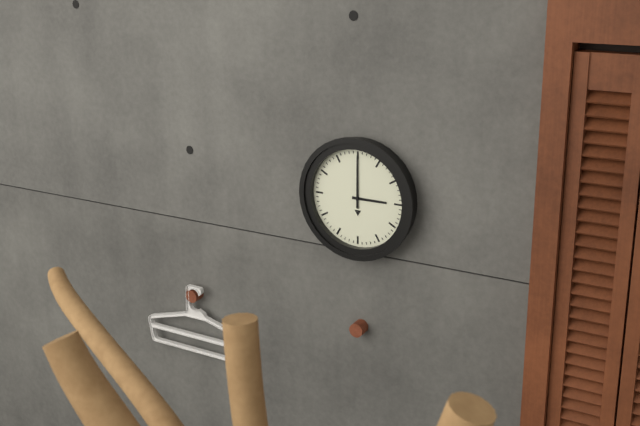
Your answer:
**3:00**
